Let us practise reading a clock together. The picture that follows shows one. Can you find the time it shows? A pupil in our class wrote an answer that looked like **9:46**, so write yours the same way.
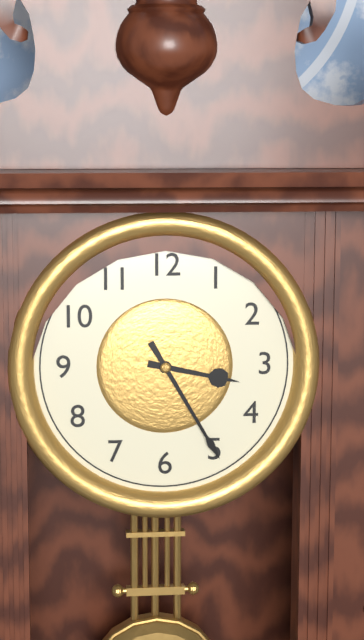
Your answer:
**3:25**
